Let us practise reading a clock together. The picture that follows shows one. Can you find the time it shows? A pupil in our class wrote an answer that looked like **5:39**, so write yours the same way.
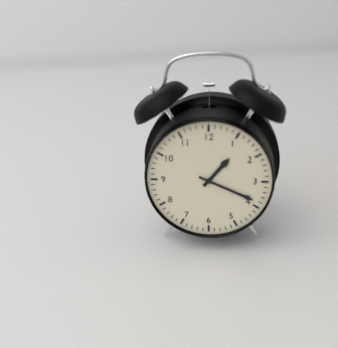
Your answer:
**1:19**
